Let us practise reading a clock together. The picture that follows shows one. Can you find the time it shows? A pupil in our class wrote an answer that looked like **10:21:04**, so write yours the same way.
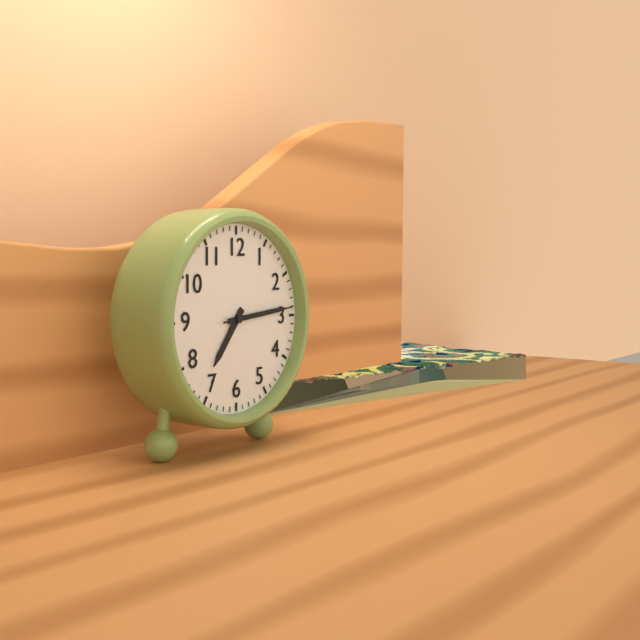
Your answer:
**7:14:14**
